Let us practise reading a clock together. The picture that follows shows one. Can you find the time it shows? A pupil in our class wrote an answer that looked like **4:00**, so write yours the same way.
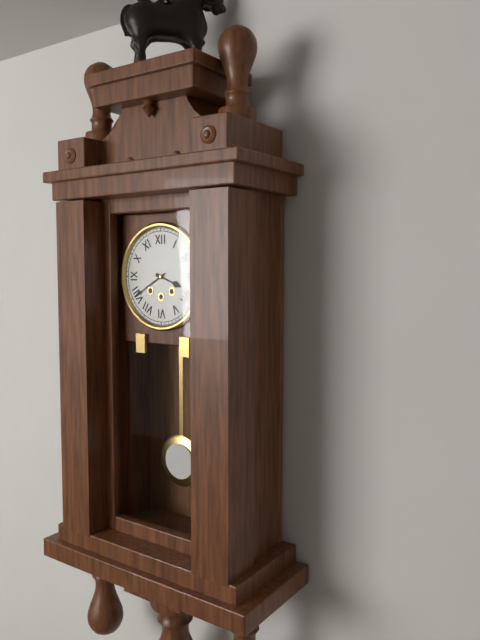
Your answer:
**3:40**
